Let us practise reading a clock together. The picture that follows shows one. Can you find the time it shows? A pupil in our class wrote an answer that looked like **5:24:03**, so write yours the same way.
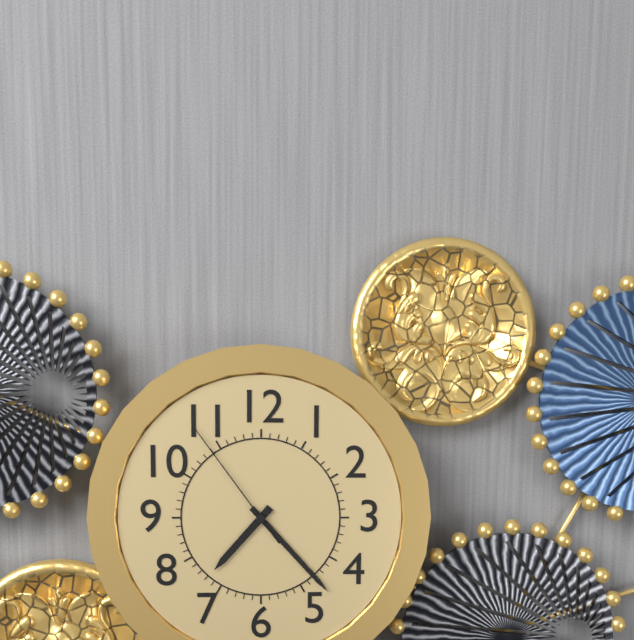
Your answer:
**7:23:54**
